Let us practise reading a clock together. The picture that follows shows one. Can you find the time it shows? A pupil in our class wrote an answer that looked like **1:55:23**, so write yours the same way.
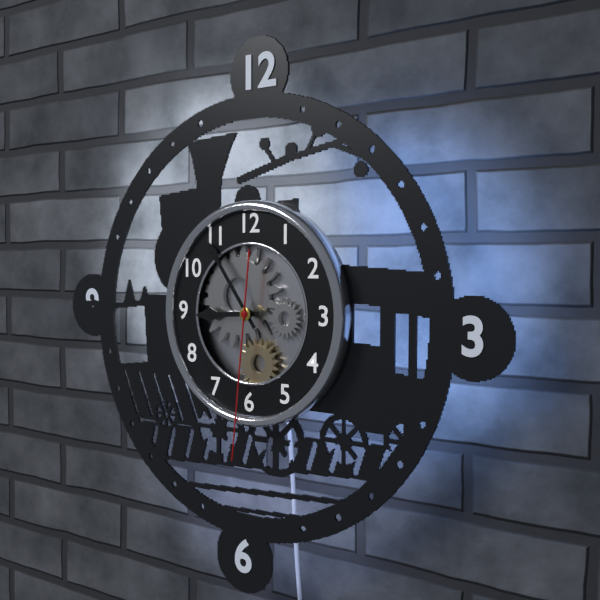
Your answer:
**8:54:31**
